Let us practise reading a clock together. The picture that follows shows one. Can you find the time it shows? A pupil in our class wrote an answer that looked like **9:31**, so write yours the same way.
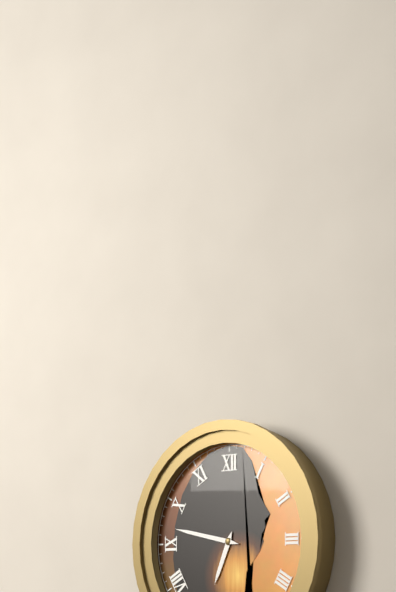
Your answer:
**6:47**
